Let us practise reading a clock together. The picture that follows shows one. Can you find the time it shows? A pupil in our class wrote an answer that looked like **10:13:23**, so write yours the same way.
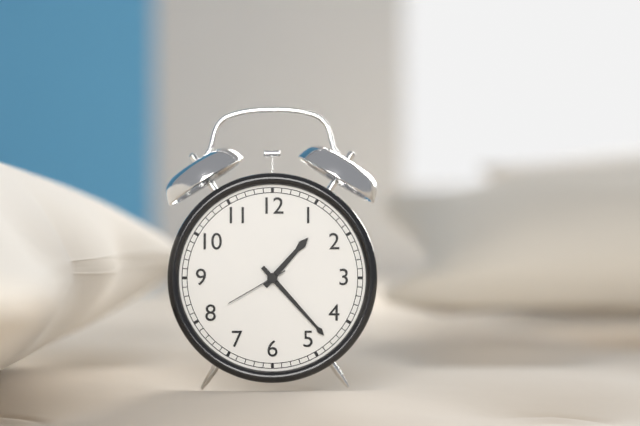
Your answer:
**1:23:40**
